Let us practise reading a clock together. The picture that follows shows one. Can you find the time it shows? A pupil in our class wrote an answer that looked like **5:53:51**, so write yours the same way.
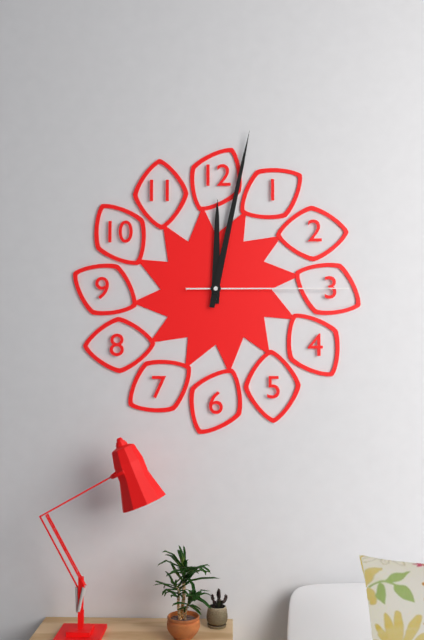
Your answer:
**12:02:15**
